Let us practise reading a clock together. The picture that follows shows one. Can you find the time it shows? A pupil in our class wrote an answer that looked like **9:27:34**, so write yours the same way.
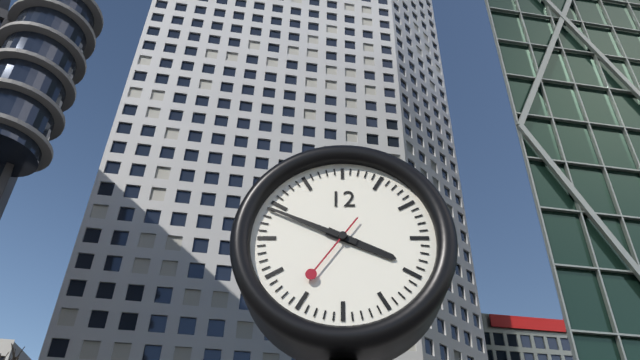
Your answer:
**3:49:36**
